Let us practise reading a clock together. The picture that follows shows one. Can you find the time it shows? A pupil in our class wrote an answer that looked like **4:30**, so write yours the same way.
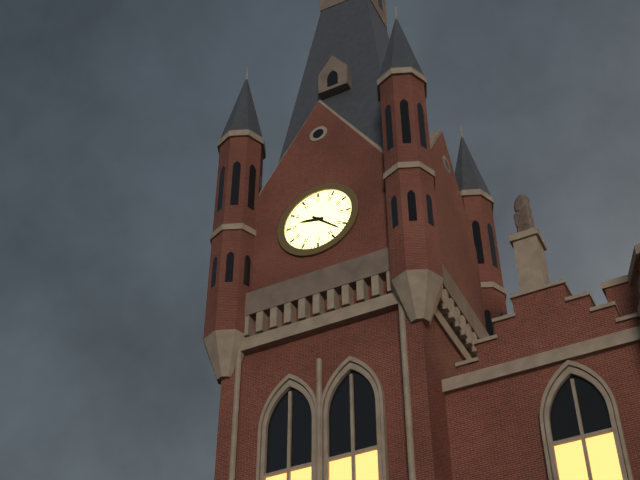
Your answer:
**9:22**
